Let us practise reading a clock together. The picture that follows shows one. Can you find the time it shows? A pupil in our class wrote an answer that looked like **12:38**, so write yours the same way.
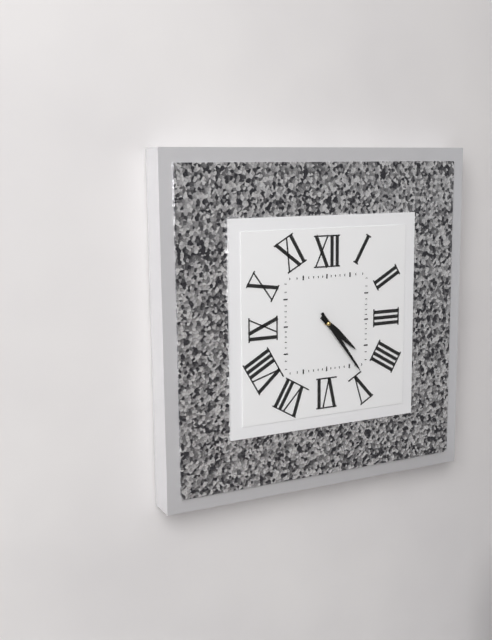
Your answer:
**4:24**
